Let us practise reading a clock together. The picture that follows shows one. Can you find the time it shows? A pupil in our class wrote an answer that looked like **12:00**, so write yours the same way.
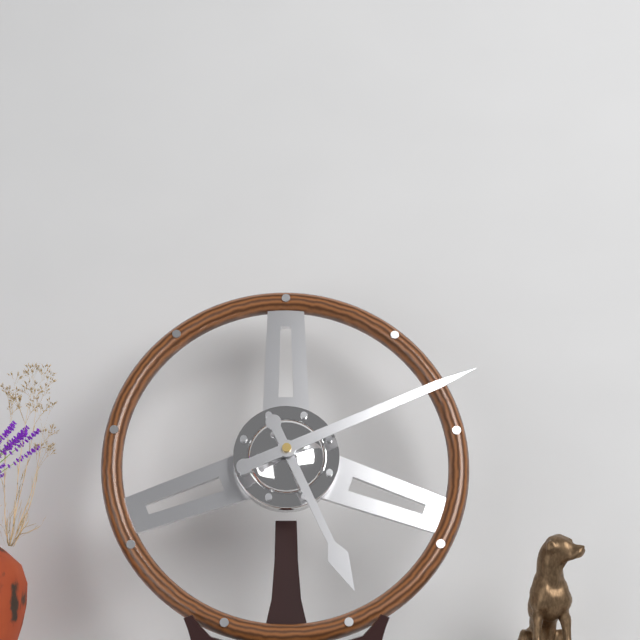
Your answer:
**5:11**
